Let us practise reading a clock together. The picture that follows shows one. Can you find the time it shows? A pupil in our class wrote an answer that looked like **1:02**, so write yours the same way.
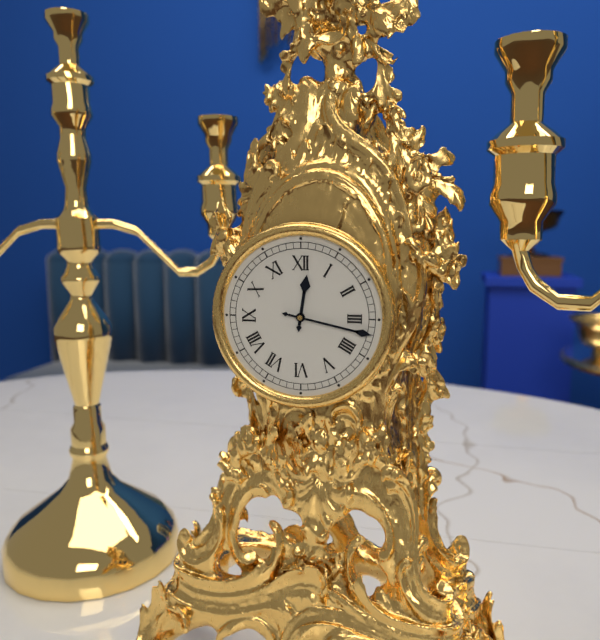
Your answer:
**12:17**
